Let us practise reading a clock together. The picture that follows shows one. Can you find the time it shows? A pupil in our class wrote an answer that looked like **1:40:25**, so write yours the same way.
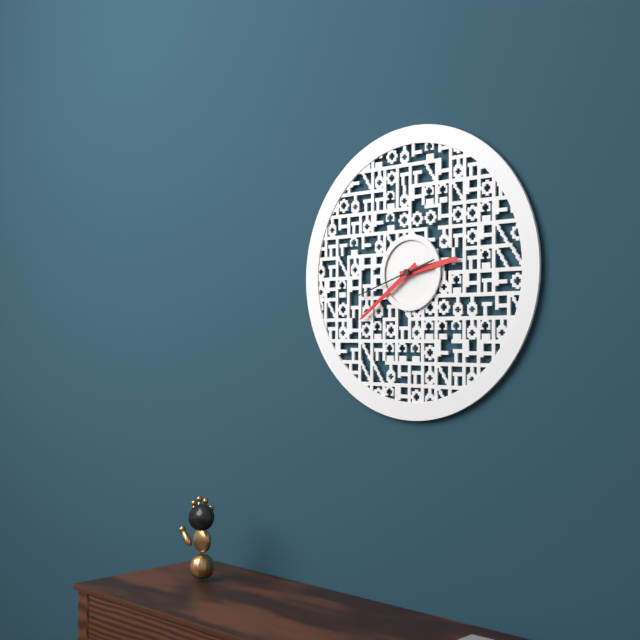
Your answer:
**2:39:42**
